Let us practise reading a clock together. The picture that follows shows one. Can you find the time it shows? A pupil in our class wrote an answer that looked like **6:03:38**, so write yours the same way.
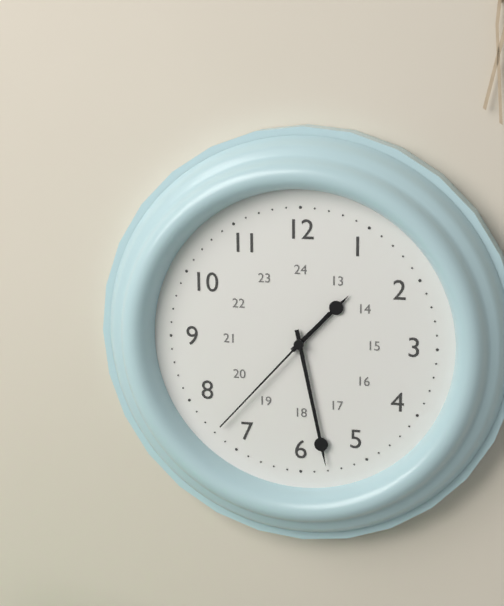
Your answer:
**1:28:37**
